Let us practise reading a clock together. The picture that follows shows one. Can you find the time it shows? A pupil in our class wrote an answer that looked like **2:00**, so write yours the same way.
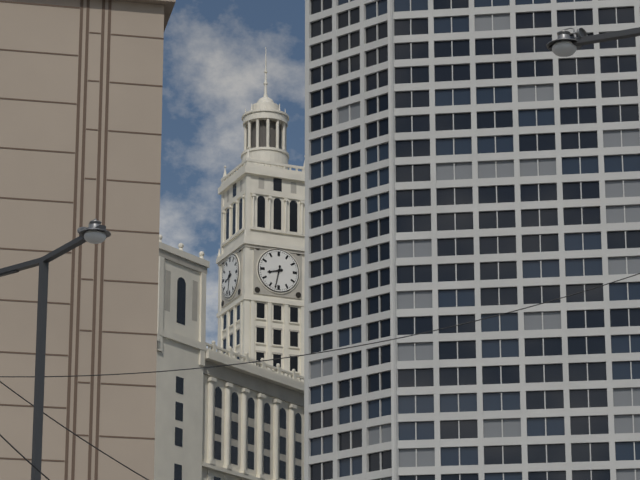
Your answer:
**8:32**
